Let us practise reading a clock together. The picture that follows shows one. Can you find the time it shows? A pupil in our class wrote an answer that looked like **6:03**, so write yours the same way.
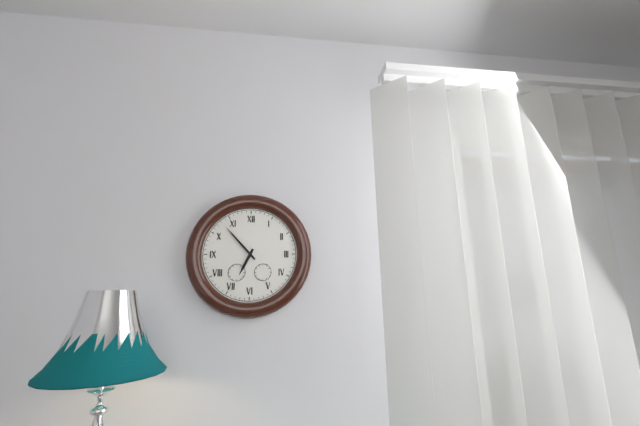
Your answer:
**6:53**
